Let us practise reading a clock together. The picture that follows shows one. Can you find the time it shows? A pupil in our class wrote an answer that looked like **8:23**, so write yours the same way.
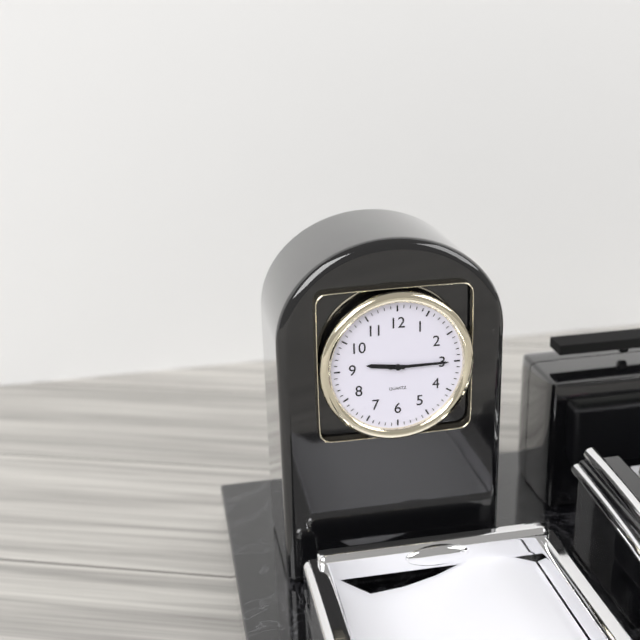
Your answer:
**9:15**
